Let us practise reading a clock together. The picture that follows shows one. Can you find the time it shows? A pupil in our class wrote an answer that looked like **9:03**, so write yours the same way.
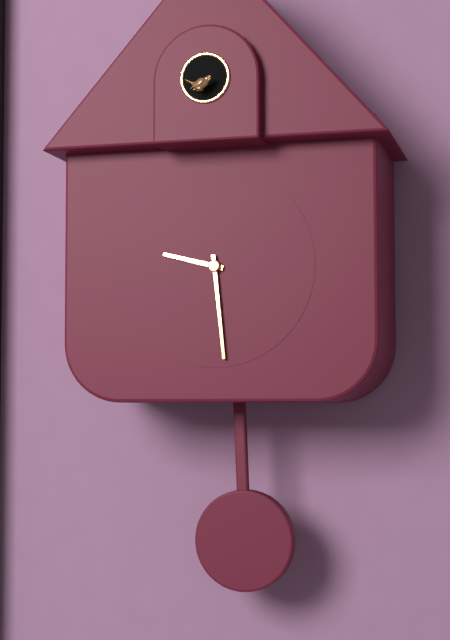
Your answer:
**9:29**
